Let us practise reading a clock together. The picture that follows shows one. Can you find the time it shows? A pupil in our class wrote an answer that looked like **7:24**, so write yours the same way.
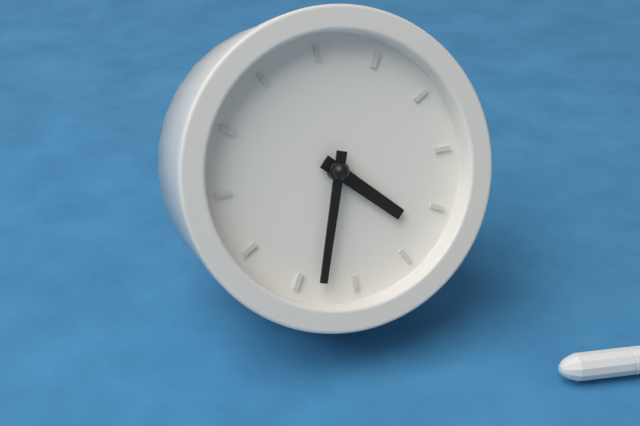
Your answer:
**3:28**
